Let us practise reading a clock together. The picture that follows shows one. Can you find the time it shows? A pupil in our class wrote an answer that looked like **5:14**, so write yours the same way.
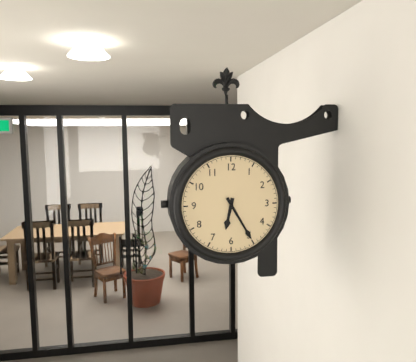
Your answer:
**6:25**
